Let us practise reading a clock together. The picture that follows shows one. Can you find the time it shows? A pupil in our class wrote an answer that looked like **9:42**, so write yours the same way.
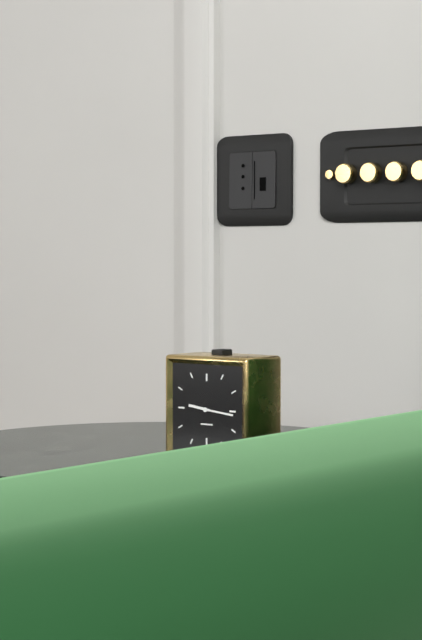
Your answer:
**9:16**
